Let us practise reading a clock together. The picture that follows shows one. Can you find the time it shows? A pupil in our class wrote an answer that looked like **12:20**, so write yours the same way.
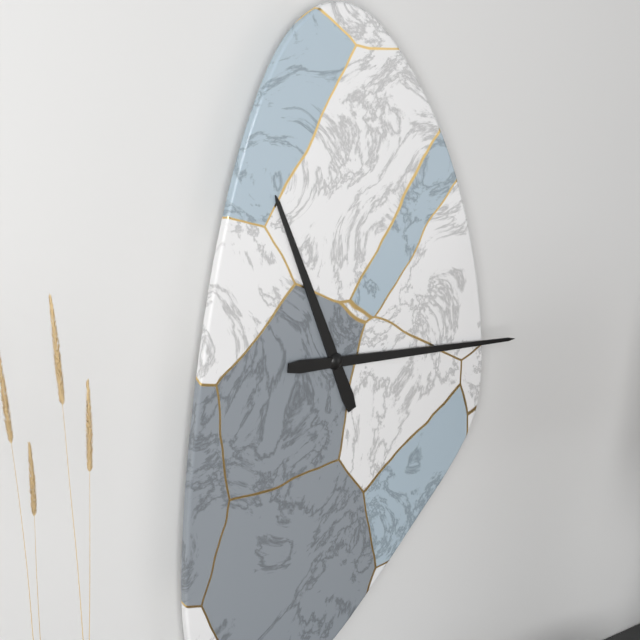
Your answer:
**11:16**
